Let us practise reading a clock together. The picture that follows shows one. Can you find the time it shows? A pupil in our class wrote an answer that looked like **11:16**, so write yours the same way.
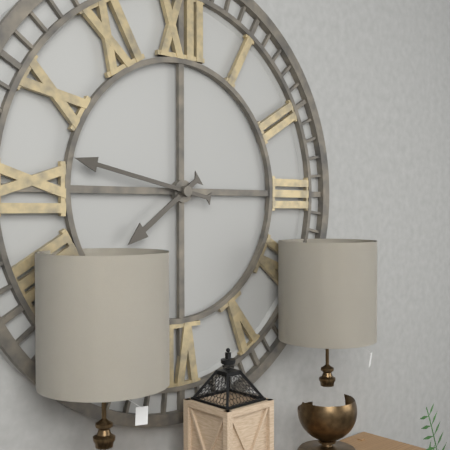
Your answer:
**7:47**
